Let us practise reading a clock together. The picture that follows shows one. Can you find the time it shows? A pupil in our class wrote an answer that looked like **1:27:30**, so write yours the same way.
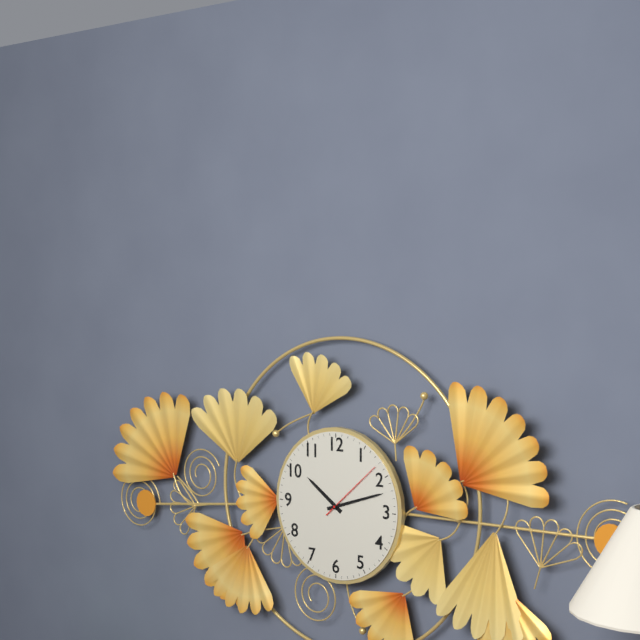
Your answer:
**10:12:08**
